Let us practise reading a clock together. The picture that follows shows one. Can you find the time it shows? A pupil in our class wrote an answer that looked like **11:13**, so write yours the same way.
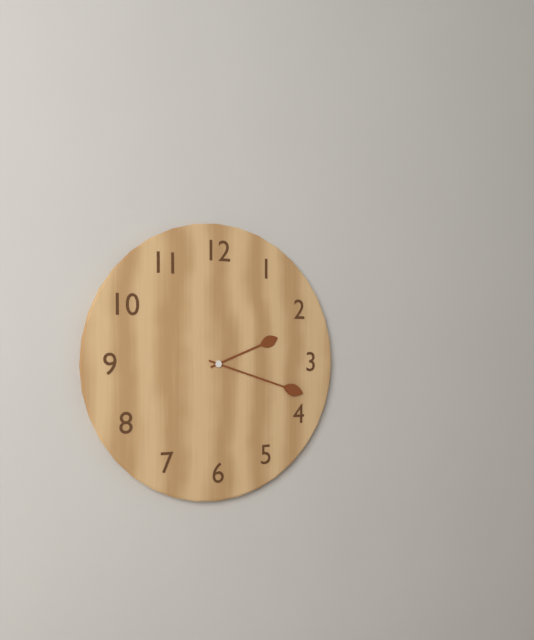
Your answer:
**2:18**
